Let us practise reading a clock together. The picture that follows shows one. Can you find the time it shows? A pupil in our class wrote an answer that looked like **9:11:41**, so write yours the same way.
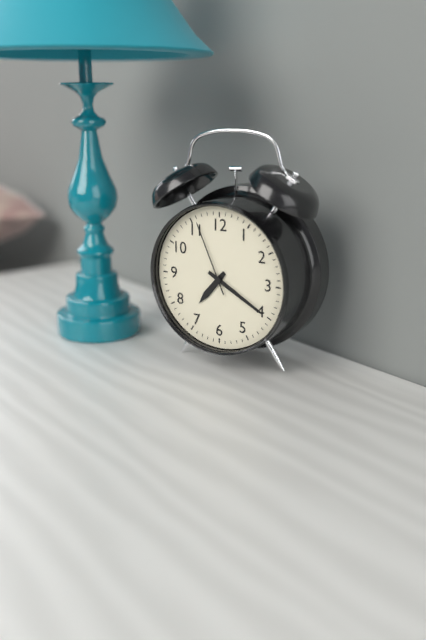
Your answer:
**7:20:56**
